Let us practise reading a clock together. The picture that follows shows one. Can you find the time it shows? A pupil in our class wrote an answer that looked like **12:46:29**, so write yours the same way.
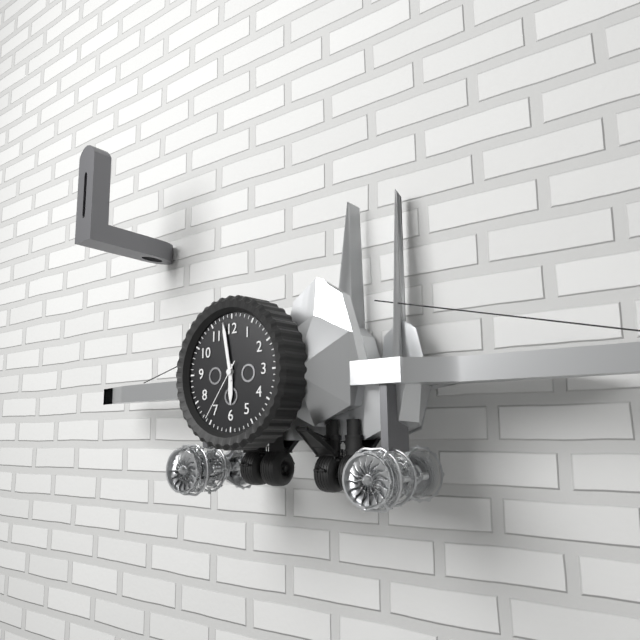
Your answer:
**5:58:36**
